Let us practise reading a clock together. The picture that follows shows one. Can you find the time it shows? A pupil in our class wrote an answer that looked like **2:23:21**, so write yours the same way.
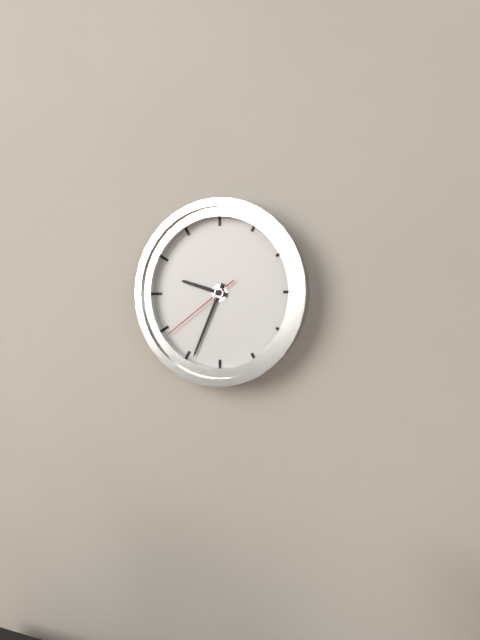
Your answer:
**9:34:39**
